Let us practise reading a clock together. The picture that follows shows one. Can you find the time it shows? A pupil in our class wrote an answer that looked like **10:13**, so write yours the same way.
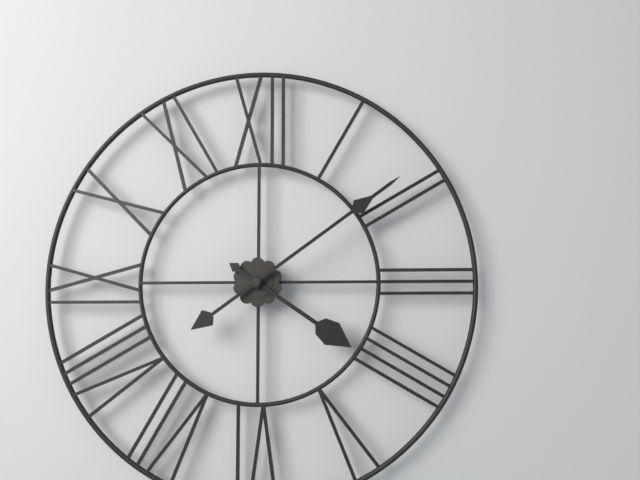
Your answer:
**4:09**
